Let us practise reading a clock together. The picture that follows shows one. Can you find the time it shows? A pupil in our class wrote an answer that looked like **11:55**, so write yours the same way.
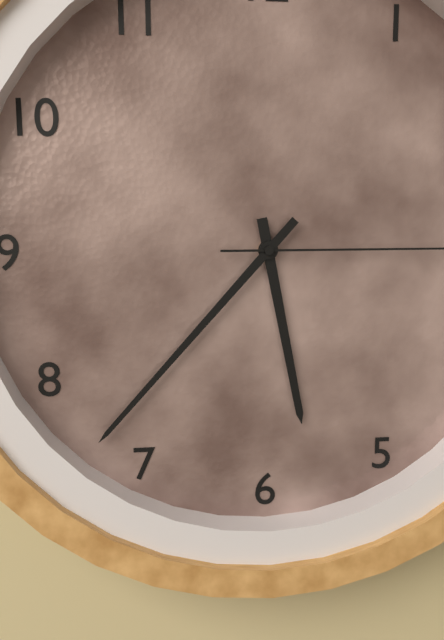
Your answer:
**5:37**
